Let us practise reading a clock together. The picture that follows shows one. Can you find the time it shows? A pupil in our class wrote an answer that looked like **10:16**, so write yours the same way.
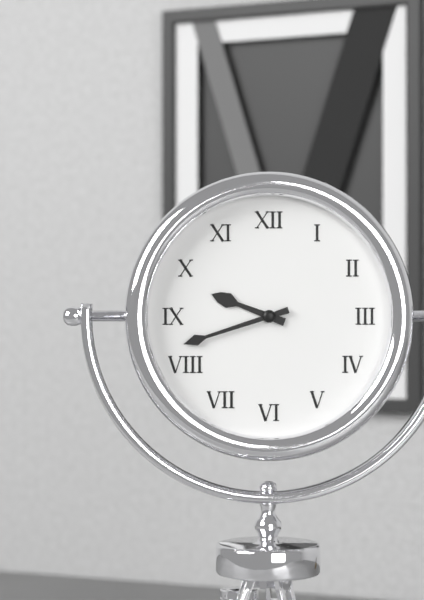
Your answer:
**9:42**
